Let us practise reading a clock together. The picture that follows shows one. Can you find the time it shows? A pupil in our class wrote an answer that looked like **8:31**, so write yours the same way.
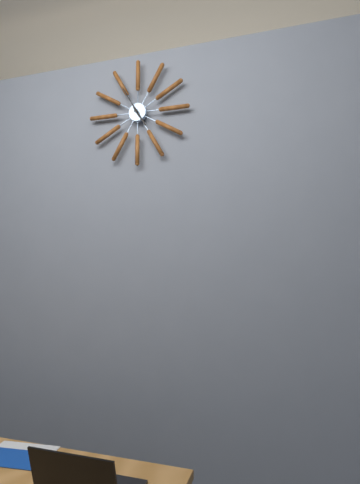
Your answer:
**4:55**
